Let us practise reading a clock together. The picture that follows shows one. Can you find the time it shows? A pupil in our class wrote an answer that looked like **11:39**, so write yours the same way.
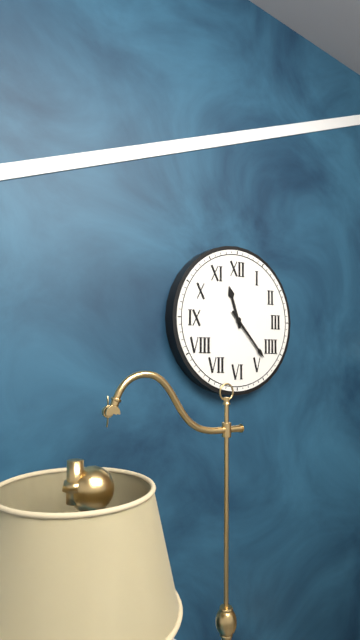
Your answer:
**11:23**
